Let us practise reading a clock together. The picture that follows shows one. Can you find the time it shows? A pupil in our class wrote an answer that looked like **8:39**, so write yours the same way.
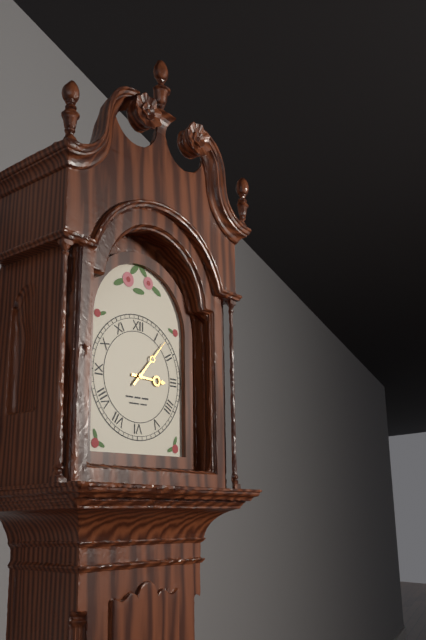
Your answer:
**3:07**
